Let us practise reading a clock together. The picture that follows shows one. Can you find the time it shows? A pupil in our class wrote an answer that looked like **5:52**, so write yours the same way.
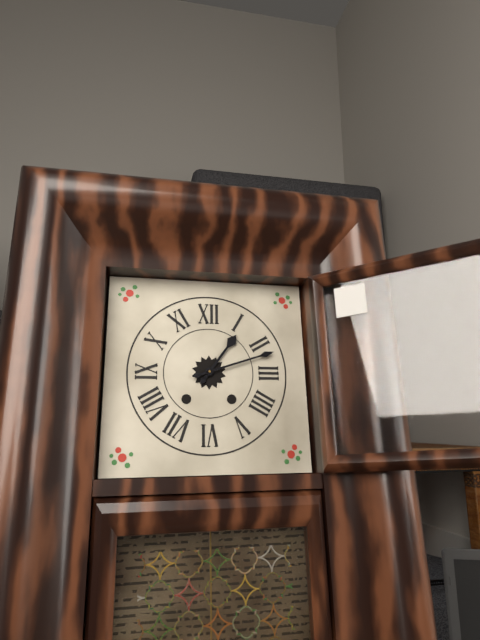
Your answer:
**1:12**
